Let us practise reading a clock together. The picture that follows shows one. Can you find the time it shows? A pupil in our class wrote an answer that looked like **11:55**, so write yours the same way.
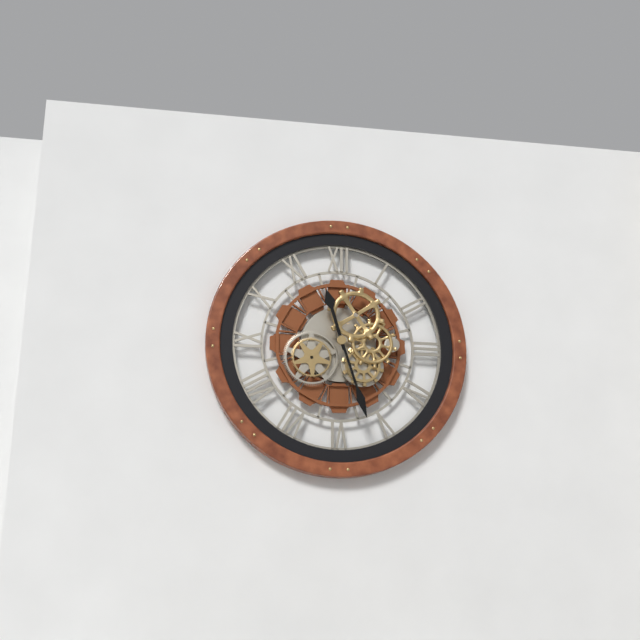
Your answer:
**11:27**
